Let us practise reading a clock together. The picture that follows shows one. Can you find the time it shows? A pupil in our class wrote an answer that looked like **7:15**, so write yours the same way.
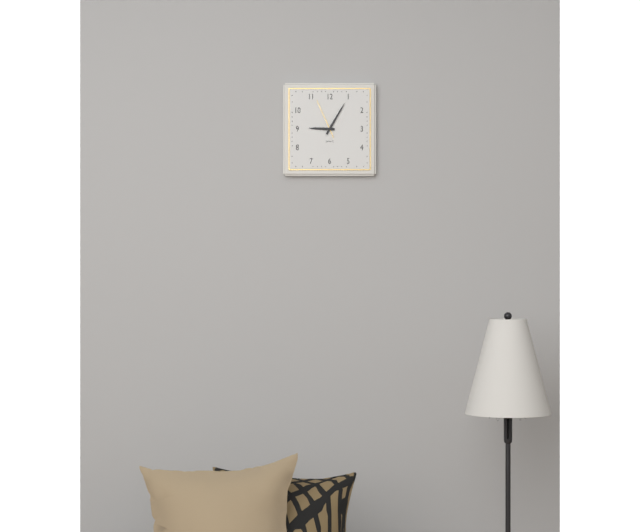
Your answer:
**9:05**
